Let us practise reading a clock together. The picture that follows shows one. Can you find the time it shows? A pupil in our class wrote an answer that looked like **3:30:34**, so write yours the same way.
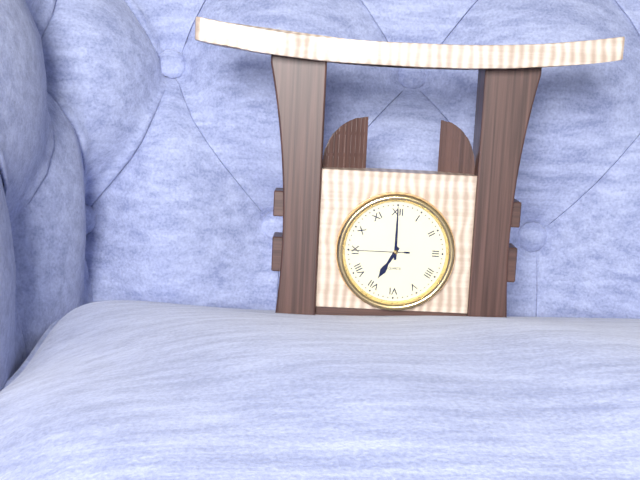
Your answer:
**7:00:45**
